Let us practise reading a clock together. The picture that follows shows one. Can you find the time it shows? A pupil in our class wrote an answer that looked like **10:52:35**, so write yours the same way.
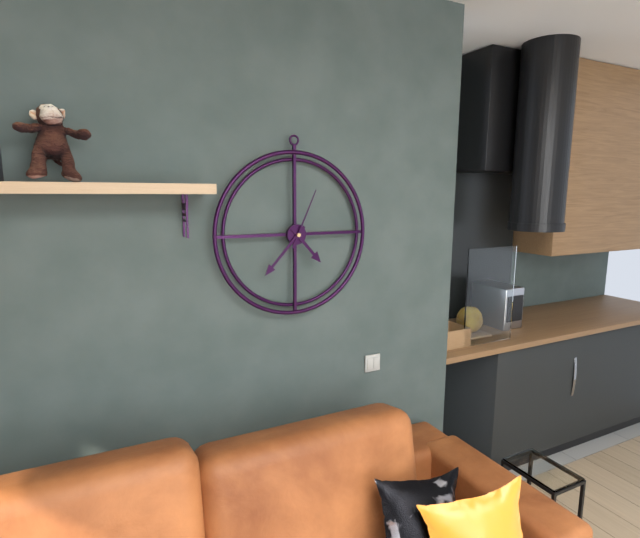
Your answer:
**4:37:04**
